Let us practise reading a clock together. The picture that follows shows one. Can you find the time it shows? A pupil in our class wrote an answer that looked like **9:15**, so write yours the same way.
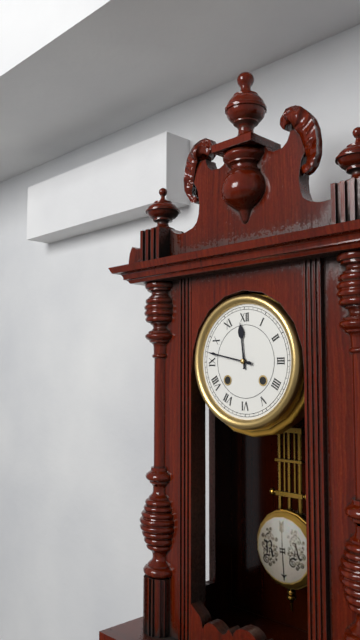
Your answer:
**11:47**
